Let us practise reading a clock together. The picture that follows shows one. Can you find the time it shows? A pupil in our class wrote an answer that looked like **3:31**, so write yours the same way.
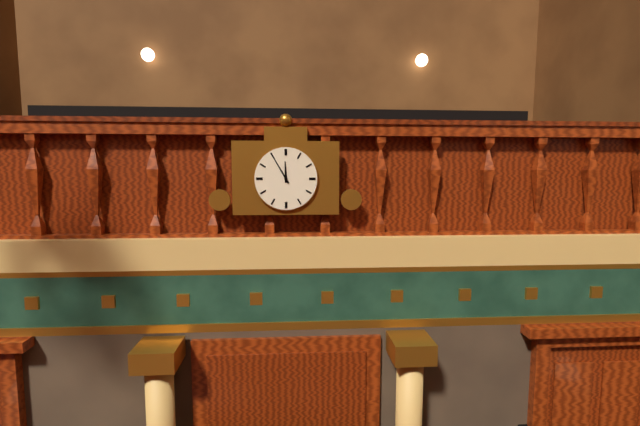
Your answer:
**11:55**
